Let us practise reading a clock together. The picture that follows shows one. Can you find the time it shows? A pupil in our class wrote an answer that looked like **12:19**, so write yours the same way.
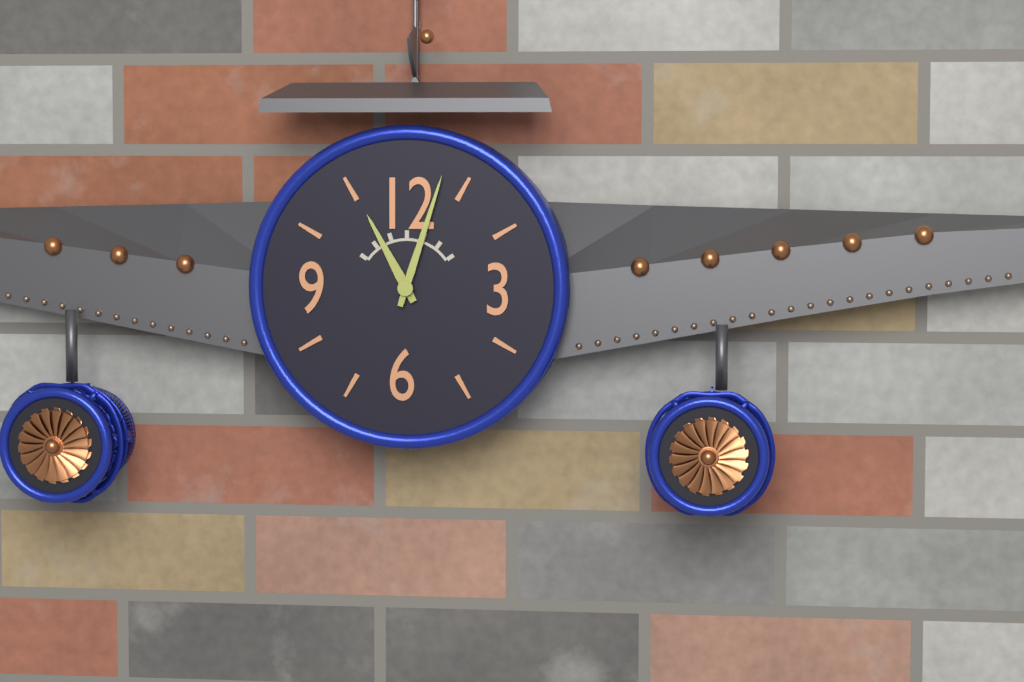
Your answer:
**11:03**
